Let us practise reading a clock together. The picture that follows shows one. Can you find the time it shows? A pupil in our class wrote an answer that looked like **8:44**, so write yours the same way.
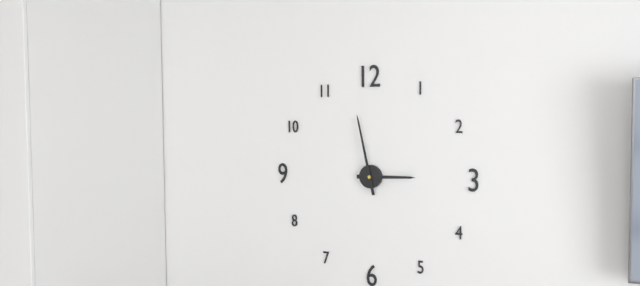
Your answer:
**2:58**
